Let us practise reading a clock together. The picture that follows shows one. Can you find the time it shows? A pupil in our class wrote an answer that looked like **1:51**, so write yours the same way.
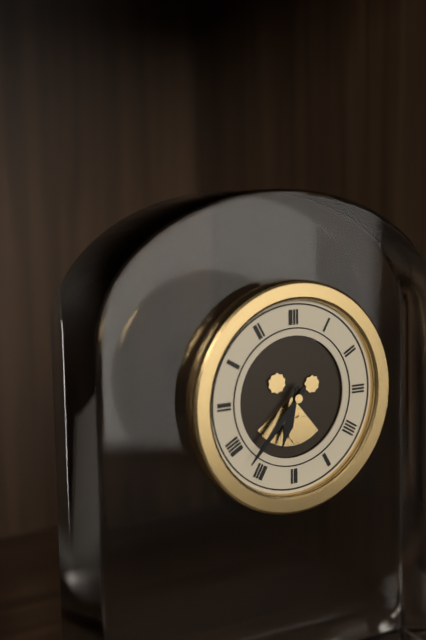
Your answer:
**6:37**
